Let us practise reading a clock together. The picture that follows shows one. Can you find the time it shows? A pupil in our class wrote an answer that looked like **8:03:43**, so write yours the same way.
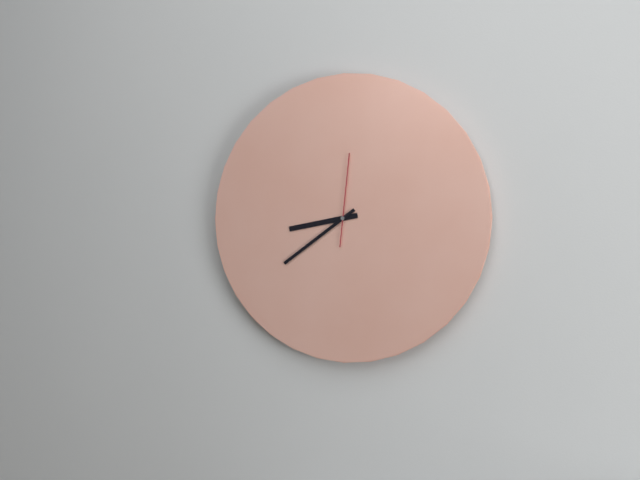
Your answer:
**8:39:01**
